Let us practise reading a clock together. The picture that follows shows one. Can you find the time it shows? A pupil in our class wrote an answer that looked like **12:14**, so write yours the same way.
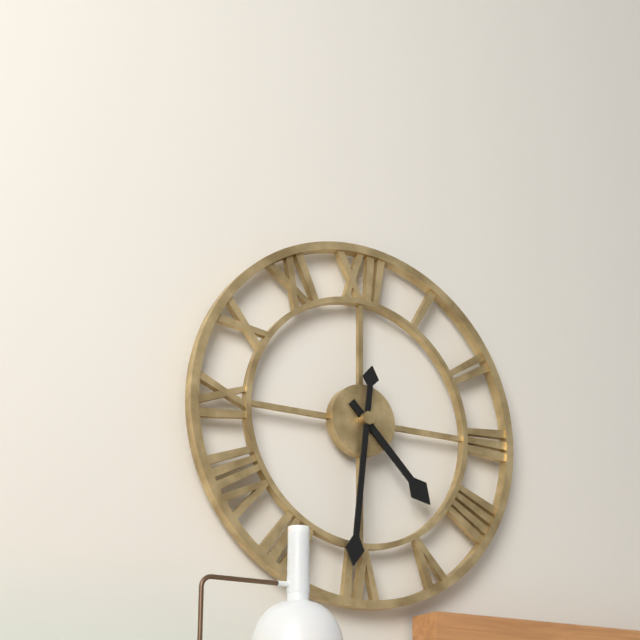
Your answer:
**4:31**
